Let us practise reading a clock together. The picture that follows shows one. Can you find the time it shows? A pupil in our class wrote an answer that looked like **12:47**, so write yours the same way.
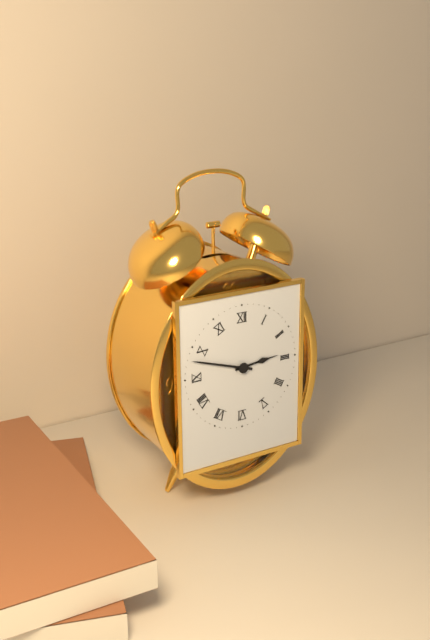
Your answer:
**2:48**
